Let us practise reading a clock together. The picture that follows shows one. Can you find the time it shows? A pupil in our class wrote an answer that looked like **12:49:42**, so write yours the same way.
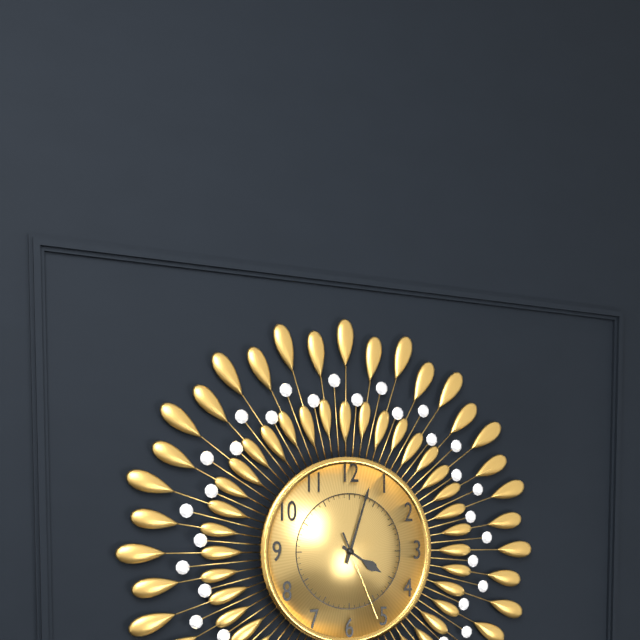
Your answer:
**4:03:26**
